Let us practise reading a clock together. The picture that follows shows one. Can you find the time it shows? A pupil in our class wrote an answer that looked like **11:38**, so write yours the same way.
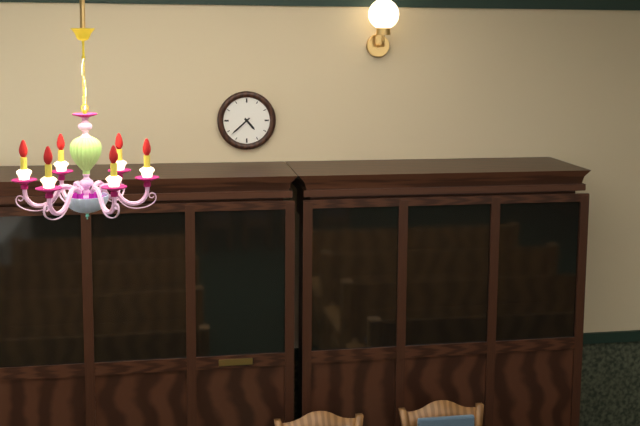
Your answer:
**4:38**
